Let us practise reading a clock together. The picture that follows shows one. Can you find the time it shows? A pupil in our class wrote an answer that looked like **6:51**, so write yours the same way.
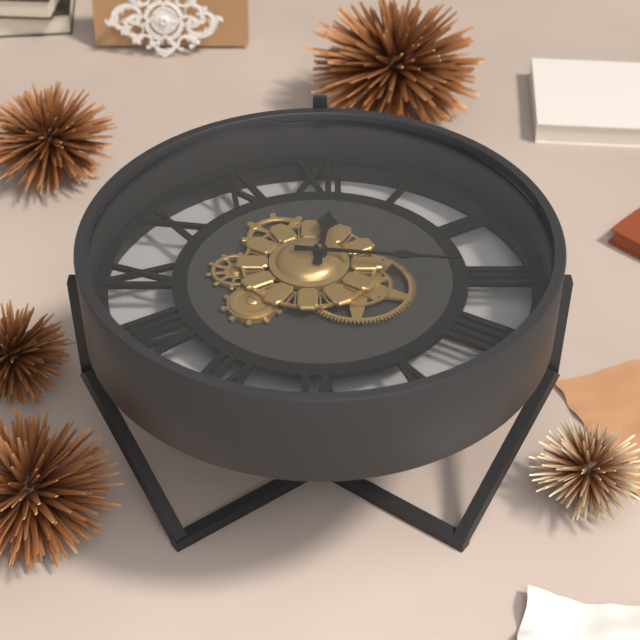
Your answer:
**12:16**
